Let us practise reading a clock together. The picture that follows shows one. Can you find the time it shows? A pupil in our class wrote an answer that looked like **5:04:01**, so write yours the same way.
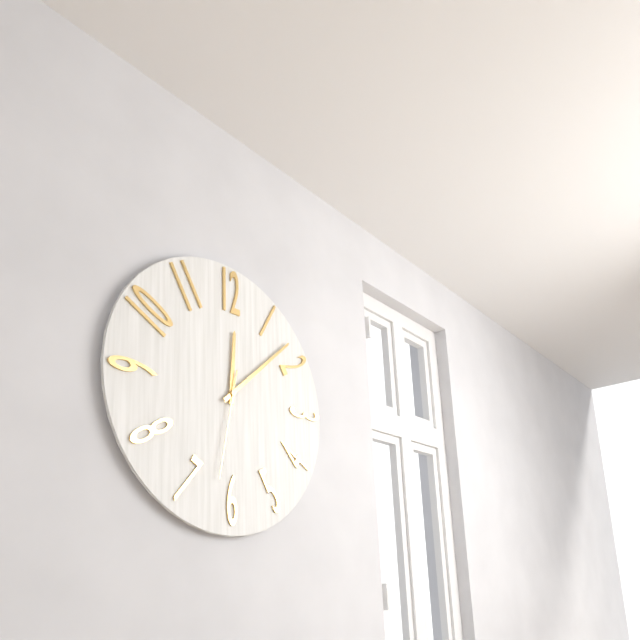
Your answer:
**12:08:32**
